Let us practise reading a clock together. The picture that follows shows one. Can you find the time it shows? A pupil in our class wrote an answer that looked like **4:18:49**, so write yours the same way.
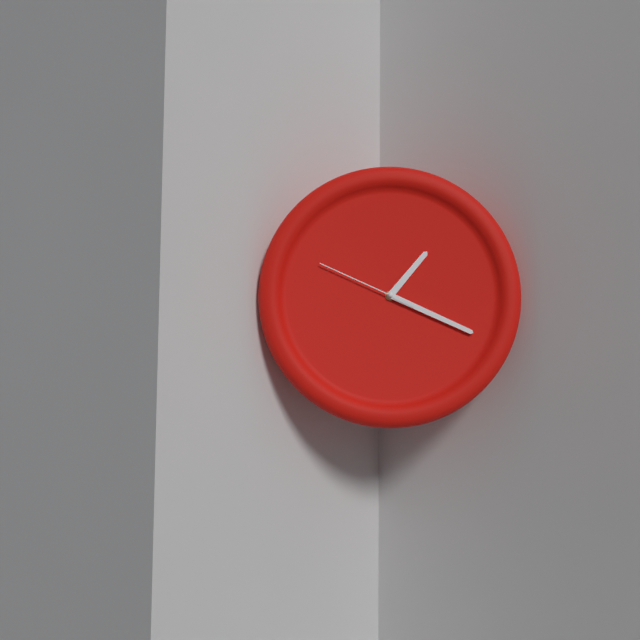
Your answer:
**1:19:49**
